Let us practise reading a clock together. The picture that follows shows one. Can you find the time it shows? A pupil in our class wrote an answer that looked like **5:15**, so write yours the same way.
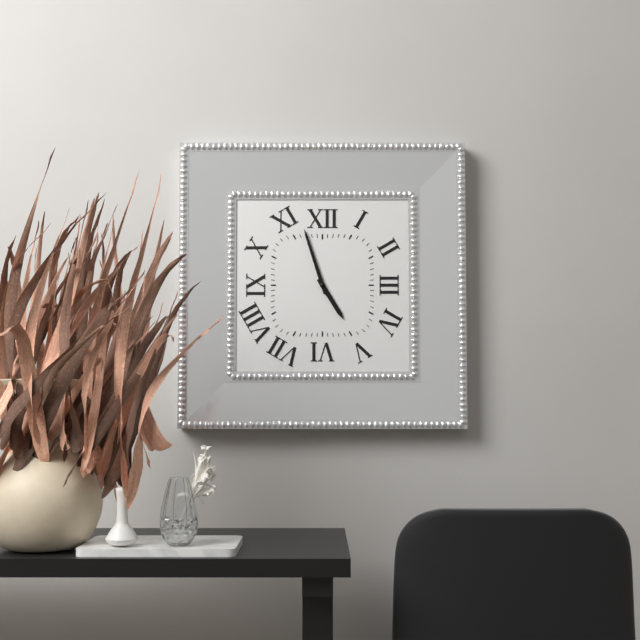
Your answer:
**4:57**
